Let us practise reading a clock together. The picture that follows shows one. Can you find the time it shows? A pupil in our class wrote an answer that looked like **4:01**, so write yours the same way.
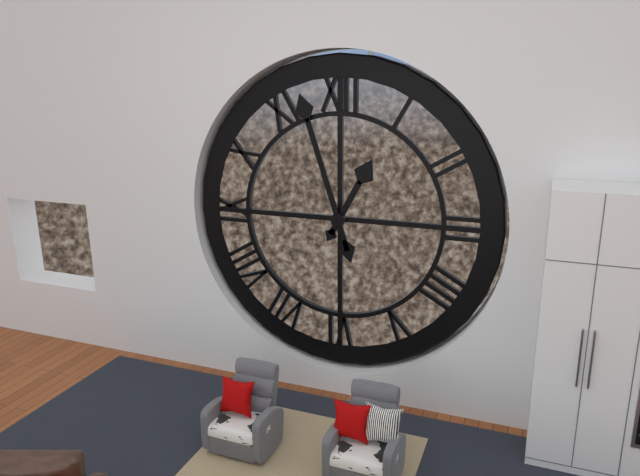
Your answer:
**12:57**
